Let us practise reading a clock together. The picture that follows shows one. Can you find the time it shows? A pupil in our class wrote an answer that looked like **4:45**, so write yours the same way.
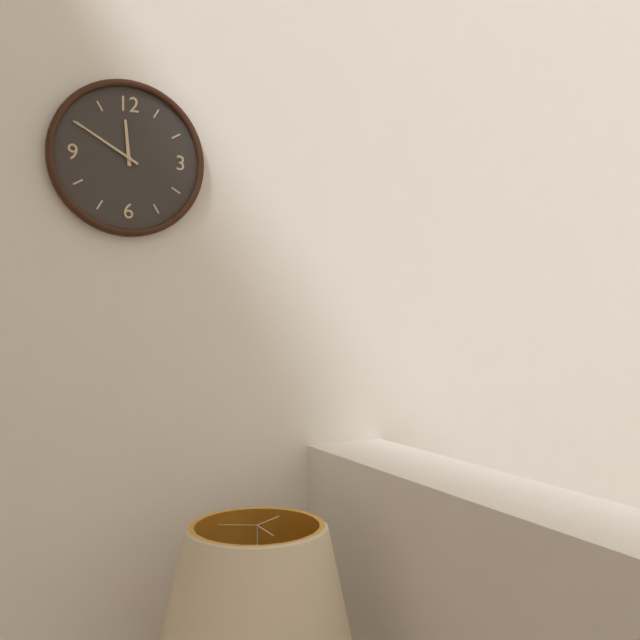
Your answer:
**11:50**
